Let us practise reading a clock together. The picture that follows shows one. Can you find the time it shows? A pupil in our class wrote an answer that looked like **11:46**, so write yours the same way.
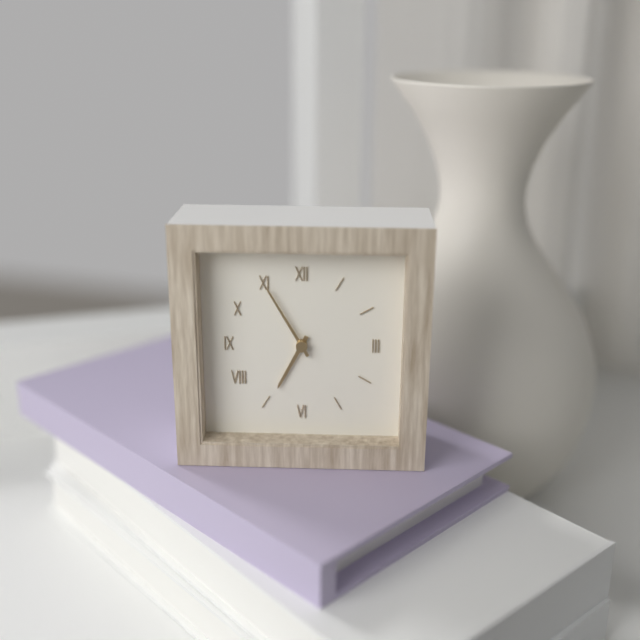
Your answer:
**6:55**
